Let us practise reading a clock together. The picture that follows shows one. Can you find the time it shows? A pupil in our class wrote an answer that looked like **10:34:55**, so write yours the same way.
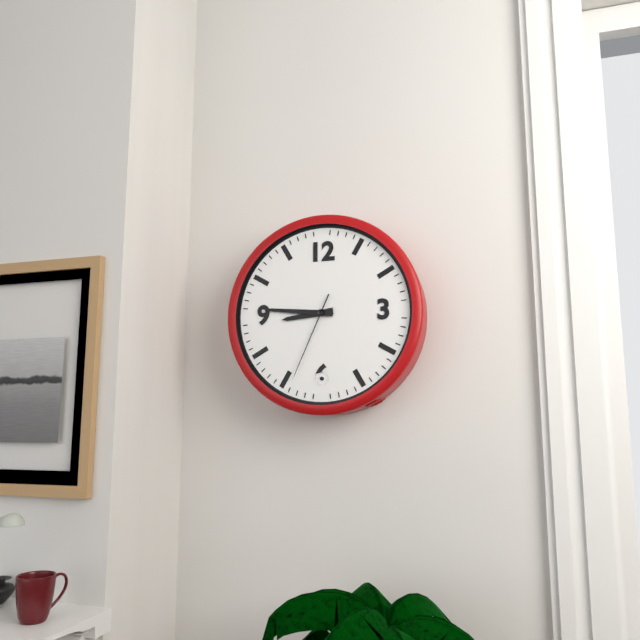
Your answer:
**8:46:34**
